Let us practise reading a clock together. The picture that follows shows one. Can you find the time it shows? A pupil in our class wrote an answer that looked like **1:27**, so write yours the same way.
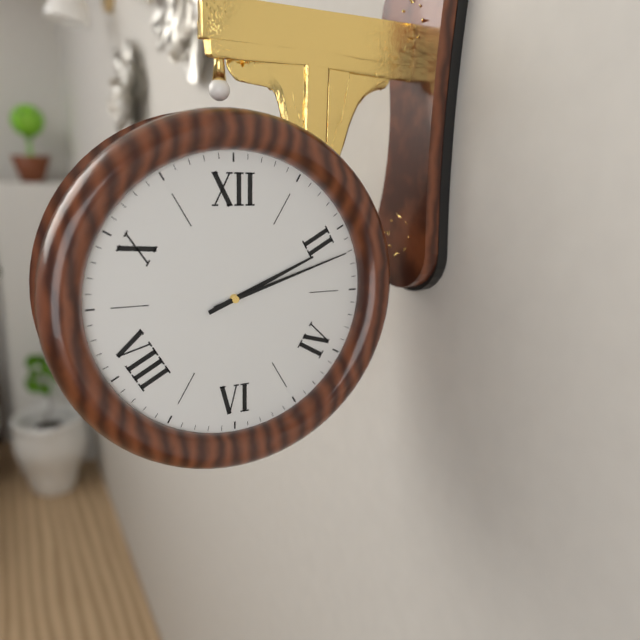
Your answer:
**2:12**
